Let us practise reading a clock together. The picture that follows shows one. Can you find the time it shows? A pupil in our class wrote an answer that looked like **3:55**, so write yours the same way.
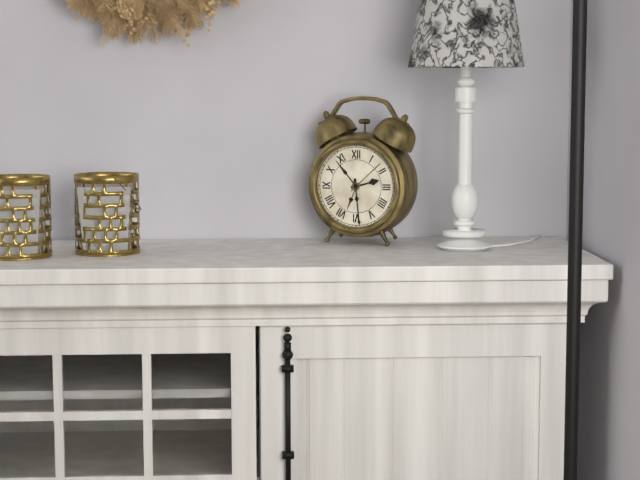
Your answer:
**2:29**
